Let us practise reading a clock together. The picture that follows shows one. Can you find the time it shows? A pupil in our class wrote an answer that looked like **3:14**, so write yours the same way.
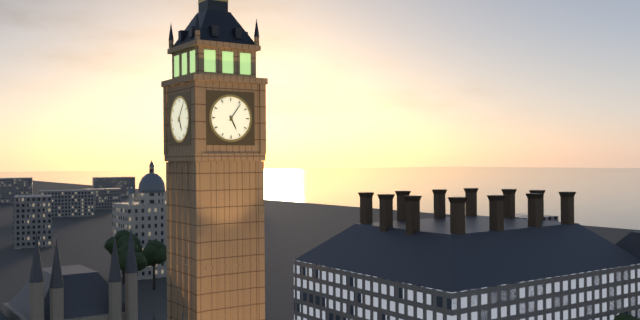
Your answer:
**5:06**
